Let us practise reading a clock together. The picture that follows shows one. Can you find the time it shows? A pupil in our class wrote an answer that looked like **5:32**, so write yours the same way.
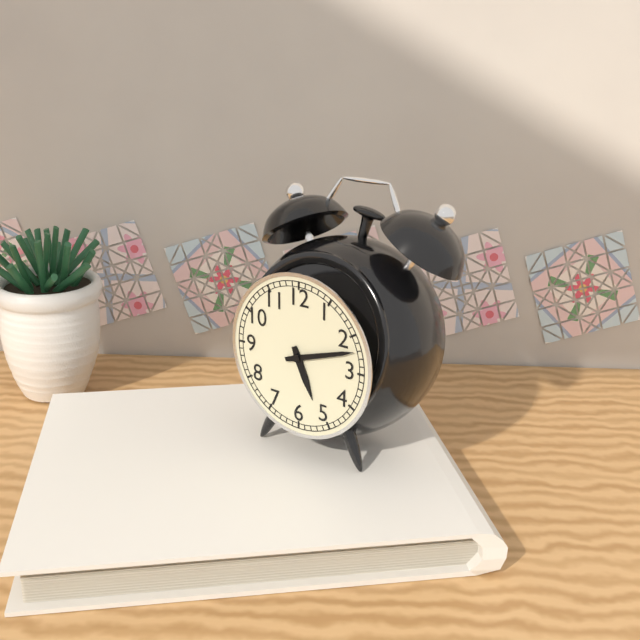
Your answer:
**5:12**
